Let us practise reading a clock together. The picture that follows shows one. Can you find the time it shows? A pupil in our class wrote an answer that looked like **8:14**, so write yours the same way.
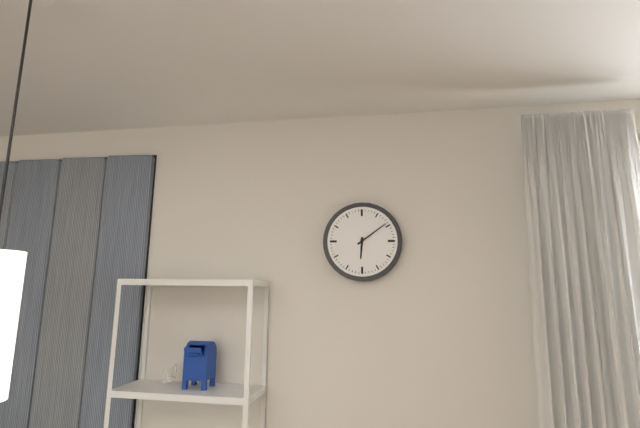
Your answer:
**6:09**
